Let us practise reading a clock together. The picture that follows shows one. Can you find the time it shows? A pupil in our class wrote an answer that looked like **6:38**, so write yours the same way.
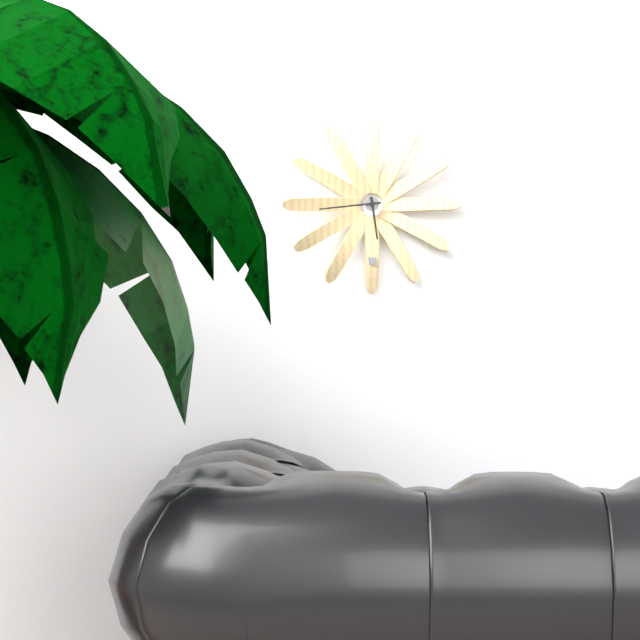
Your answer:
**5:44**
